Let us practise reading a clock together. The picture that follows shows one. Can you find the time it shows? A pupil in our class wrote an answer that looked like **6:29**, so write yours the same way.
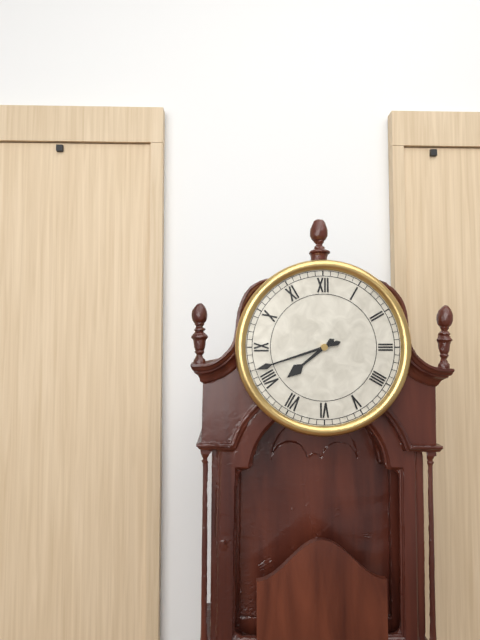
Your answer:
**7:42**
